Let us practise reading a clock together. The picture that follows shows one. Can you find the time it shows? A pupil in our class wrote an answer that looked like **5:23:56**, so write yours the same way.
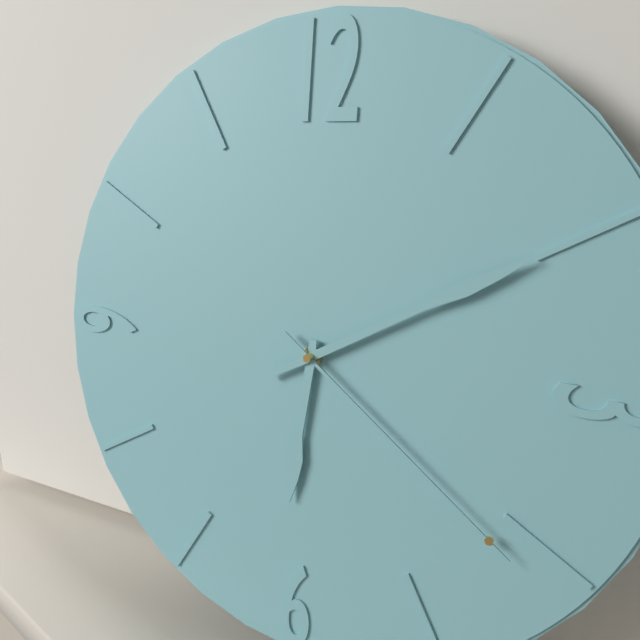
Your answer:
**6:10:21**
